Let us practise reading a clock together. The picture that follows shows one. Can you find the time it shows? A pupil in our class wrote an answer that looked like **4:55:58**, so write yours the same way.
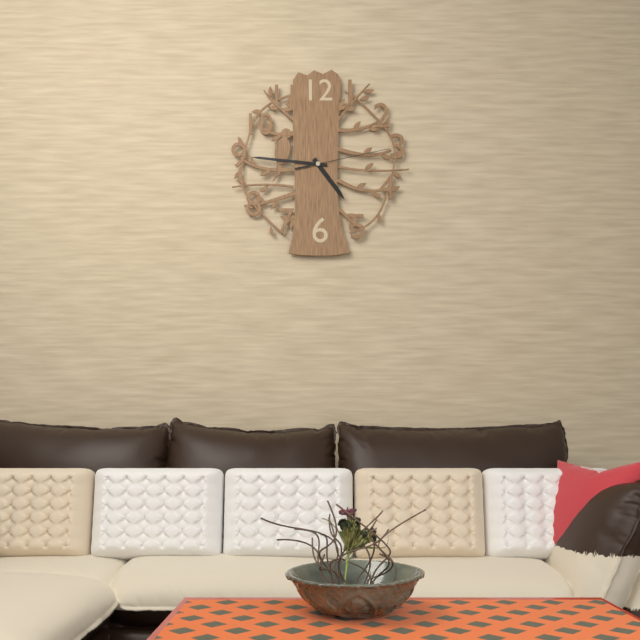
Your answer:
**4:46:13**
